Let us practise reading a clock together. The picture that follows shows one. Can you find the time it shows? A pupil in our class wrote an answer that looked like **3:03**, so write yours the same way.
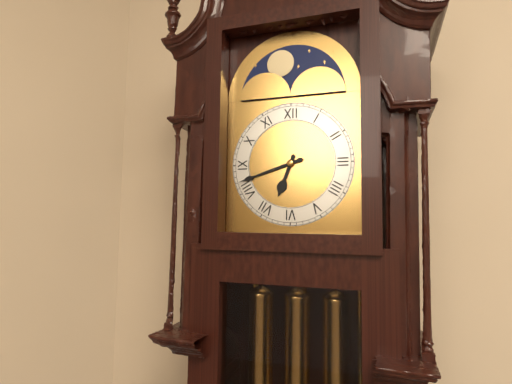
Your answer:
**6:42**
